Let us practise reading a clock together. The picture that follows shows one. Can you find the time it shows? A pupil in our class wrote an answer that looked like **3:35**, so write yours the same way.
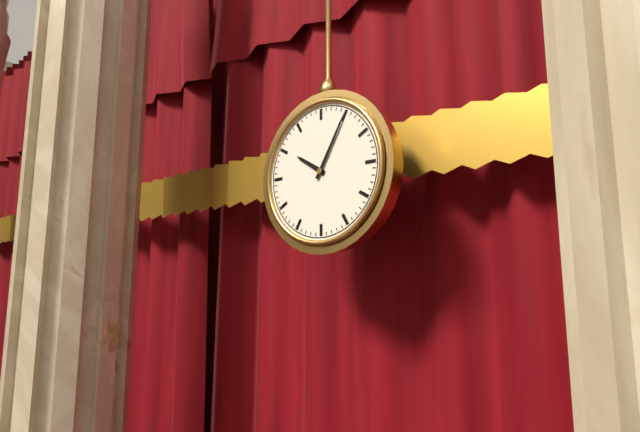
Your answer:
**10:05**
